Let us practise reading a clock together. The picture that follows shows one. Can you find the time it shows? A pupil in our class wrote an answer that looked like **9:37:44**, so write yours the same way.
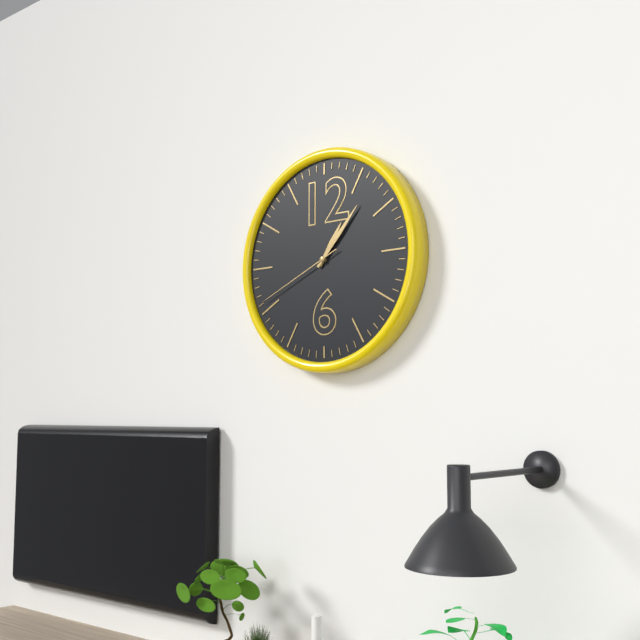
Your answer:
**1:07:41**
